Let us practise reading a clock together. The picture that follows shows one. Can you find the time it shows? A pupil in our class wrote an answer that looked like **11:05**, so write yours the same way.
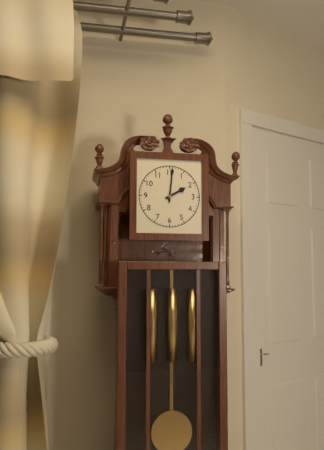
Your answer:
**2:01**
